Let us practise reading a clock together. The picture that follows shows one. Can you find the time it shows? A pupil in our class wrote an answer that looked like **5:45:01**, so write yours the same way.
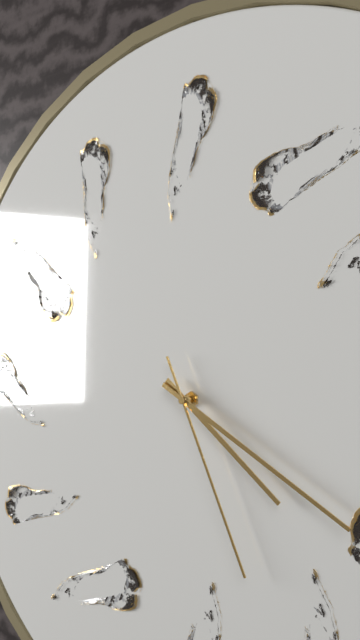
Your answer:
**4:20:26**
